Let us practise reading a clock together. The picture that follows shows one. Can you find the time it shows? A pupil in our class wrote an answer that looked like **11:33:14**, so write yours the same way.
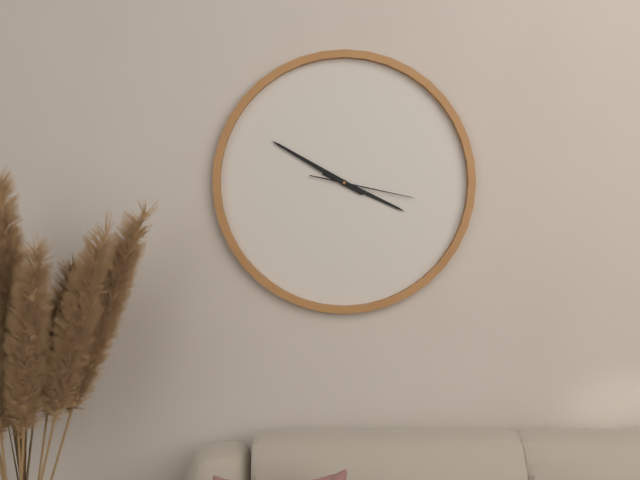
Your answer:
**3:50:17**
